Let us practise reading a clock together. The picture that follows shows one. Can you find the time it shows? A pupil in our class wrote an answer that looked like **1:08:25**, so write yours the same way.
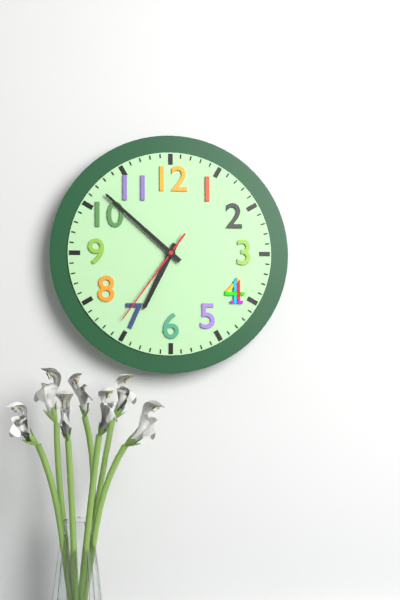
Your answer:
**6:52:36**
